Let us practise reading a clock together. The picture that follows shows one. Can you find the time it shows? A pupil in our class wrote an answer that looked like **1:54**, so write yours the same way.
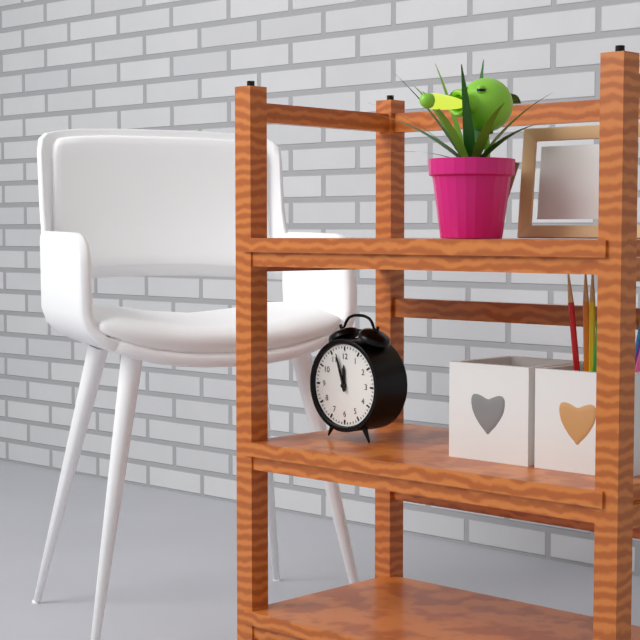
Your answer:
**11:57**
